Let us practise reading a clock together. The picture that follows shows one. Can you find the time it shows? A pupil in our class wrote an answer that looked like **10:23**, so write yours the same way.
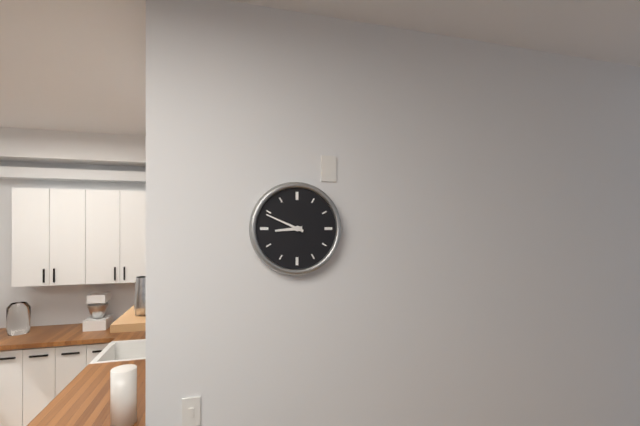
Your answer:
**8:49**
